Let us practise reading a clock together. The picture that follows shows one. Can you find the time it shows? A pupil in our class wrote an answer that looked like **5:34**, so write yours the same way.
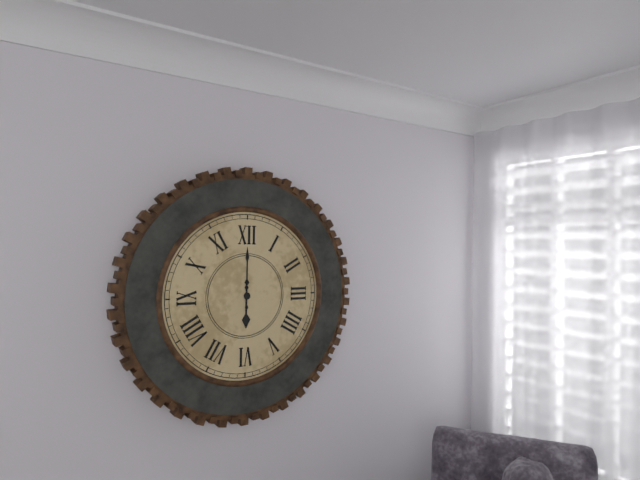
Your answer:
**6:00**
